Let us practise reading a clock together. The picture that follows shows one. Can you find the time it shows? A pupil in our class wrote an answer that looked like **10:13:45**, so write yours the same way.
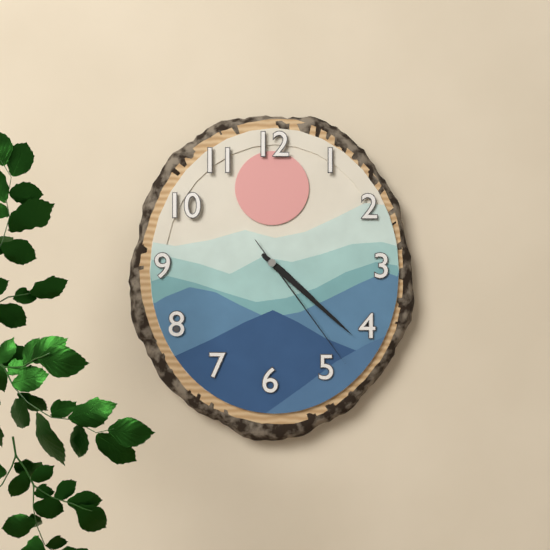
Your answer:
**4:22:24**
